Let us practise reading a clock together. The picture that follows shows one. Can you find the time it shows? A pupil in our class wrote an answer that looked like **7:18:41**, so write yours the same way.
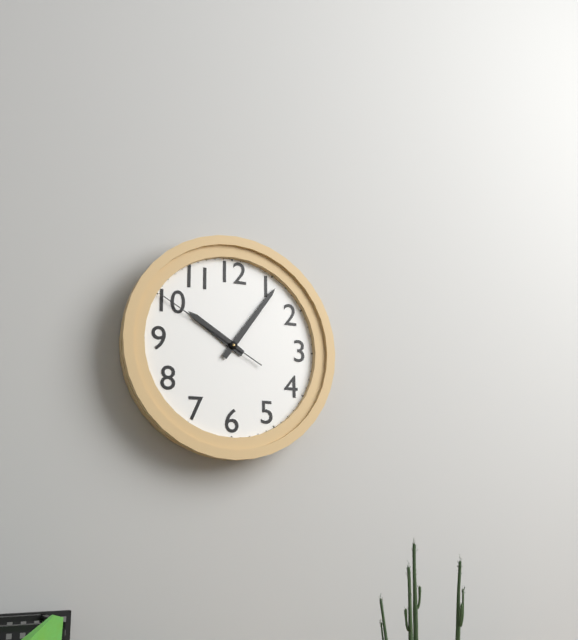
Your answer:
**10:06:50**
